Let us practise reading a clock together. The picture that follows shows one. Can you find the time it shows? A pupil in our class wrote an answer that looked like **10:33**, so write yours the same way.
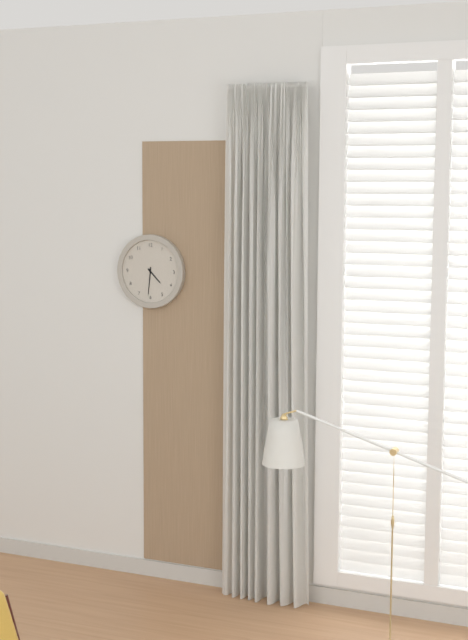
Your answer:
**4:31**
